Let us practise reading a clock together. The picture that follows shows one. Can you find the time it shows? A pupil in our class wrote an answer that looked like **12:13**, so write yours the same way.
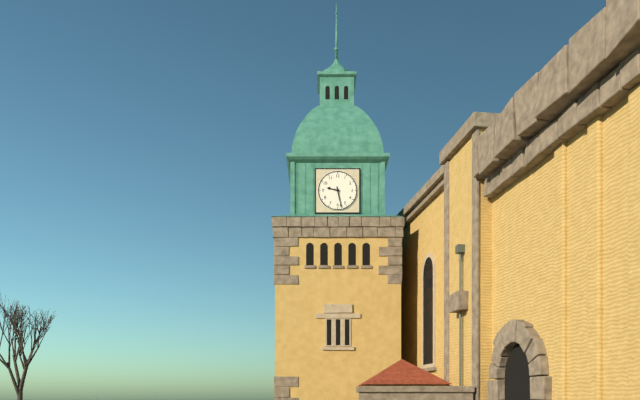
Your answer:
**9:28**
